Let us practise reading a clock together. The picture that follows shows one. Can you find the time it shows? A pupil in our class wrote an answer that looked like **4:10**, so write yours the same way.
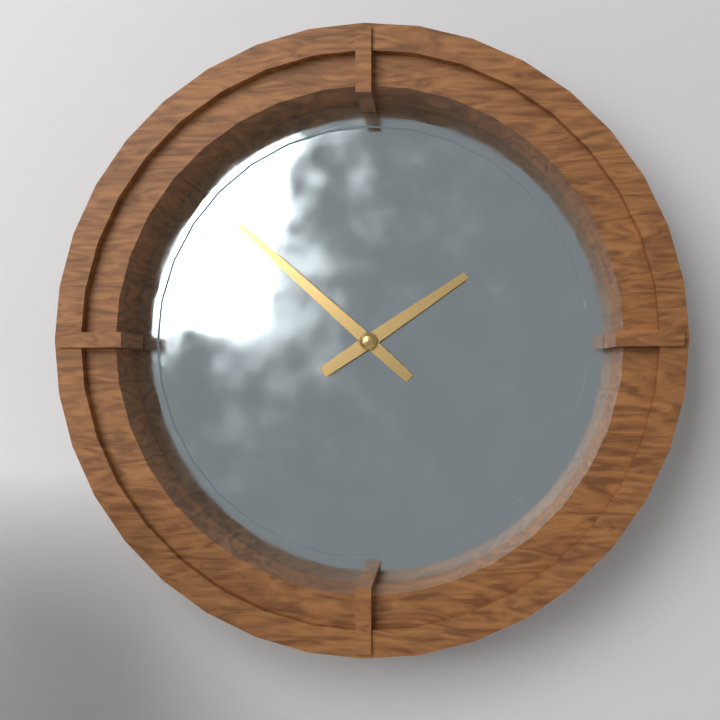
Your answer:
**1:52**
